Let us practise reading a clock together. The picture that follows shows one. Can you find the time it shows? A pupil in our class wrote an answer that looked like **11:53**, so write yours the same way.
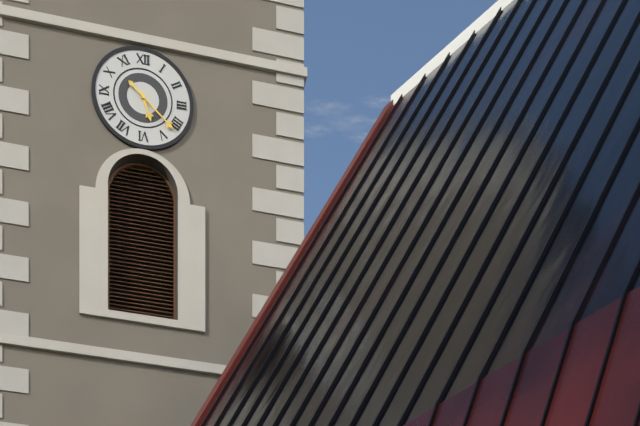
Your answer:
**5:22**
